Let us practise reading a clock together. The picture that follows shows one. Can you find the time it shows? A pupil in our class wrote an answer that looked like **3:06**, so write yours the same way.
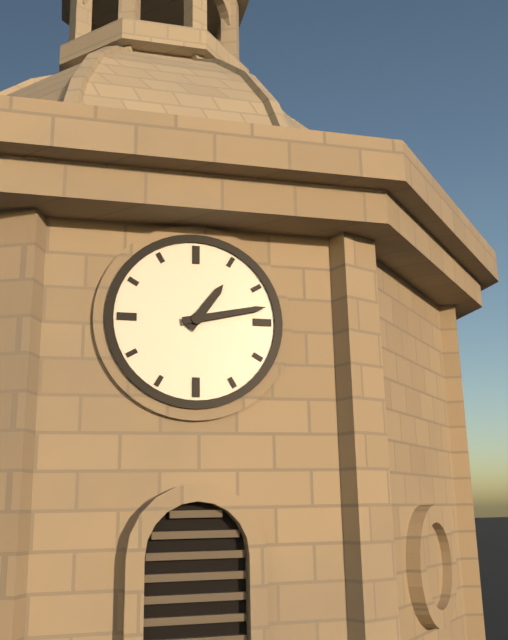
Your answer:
**1:13**
